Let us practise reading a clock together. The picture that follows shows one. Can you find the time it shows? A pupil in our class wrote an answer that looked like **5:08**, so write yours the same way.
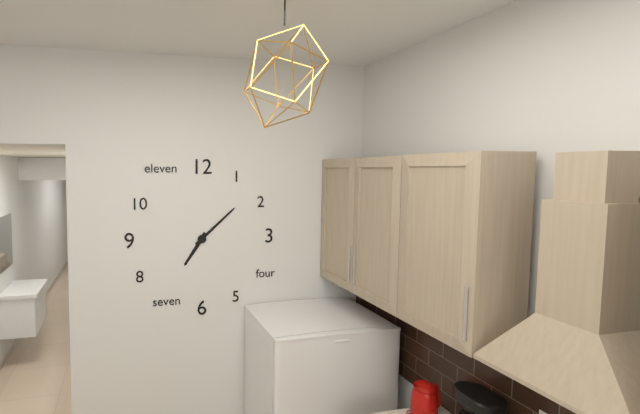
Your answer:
**7:08**
